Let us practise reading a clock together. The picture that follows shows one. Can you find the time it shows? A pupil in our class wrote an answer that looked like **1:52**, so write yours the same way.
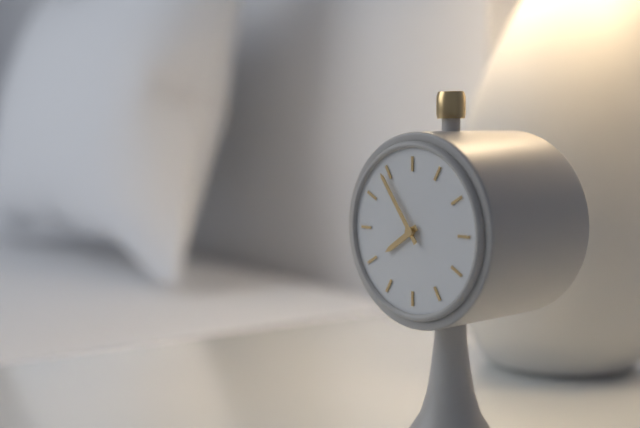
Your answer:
**7:54**
